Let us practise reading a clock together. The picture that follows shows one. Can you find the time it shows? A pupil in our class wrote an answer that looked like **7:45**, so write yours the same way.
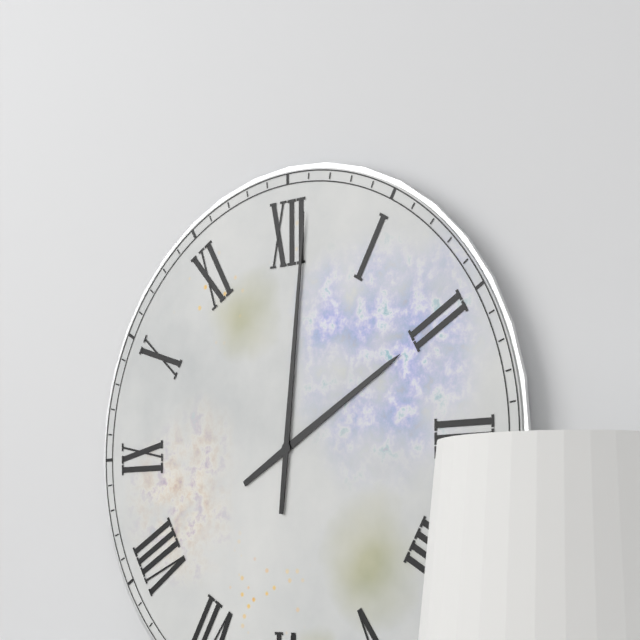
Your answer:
**2:01**
